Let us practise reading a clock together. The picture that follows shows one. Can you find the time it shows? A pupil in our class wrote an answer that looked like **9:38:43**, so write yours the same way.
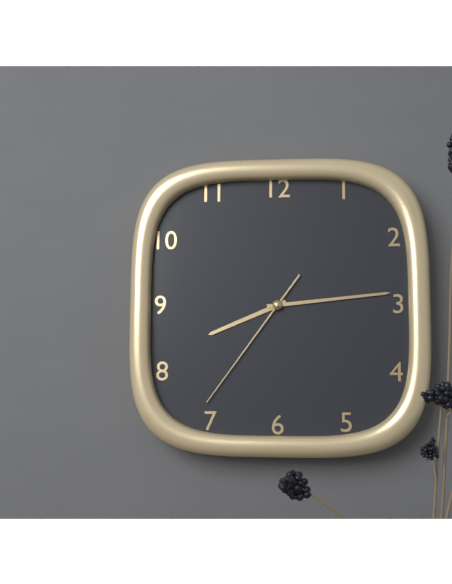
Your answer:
**8:14:36**
